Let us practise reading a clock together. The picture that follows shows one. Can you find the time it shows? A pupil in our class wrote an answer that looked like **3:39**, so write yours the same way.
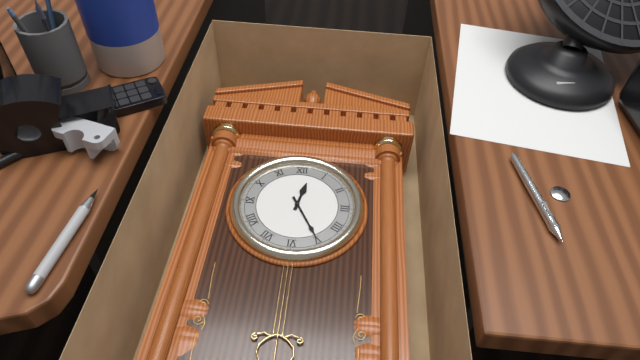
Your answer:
**12:25**
